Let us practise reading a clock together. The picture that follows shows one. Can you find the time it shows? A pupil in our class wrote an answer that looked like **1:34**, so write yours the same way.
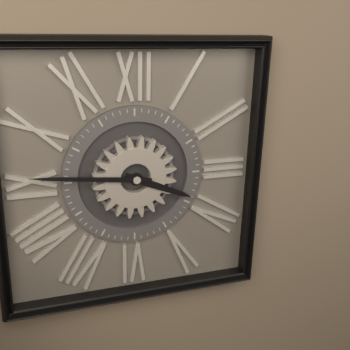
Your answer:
**3:46**
